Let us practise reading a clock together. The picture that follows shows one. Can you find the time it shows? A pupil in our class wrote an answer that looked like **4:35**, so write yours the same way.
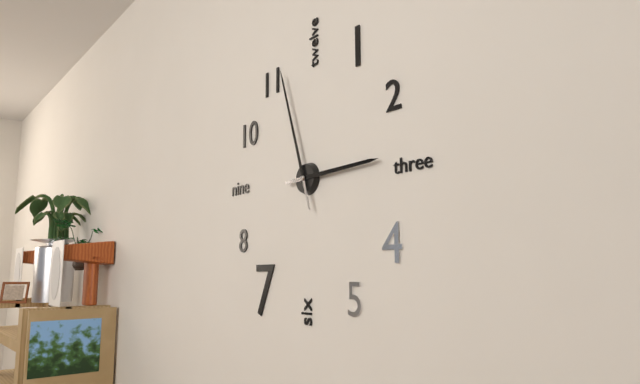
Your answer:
**2:57**
